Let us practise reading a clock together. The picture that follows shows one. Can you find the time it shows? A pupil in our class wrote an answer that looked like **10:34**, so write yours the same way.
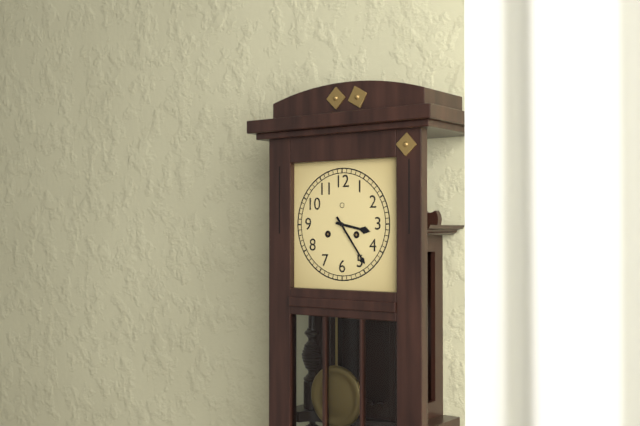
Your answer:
**3:24**
